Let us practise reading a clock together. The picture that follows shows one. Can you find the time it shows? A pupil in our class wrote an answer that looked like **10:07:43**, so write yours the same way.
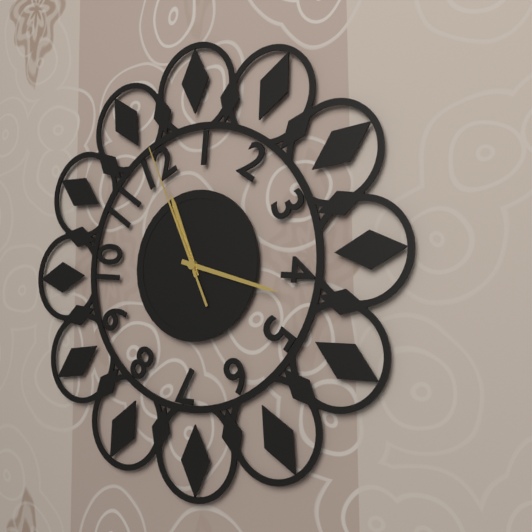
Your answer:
**11:18:56**
